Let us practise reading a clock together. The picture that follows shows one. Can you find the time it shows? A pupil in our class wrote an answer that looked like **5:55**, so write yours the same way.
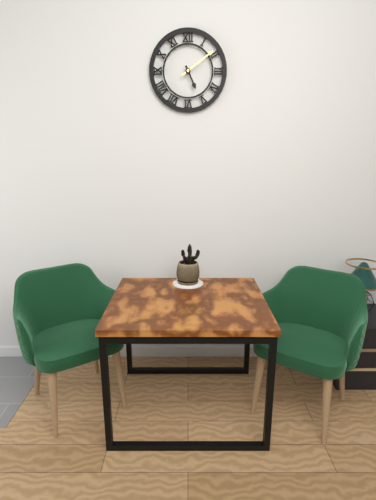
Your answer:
**5:09**
